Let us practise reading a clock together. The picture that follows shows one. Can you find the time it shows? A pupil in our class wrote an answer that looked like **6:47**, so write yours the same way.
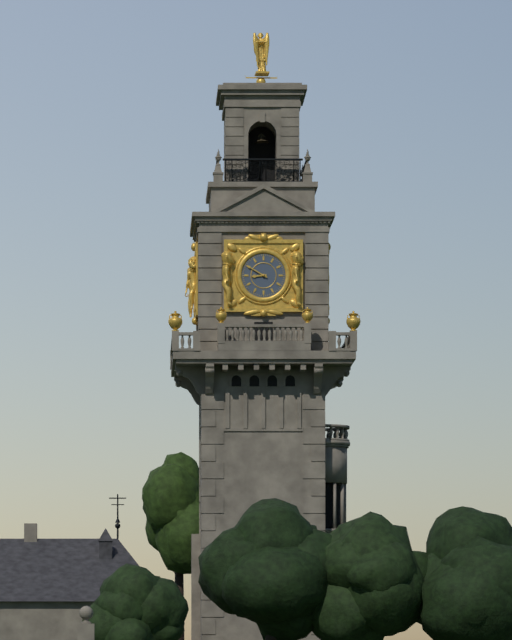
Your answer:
**8:50**
